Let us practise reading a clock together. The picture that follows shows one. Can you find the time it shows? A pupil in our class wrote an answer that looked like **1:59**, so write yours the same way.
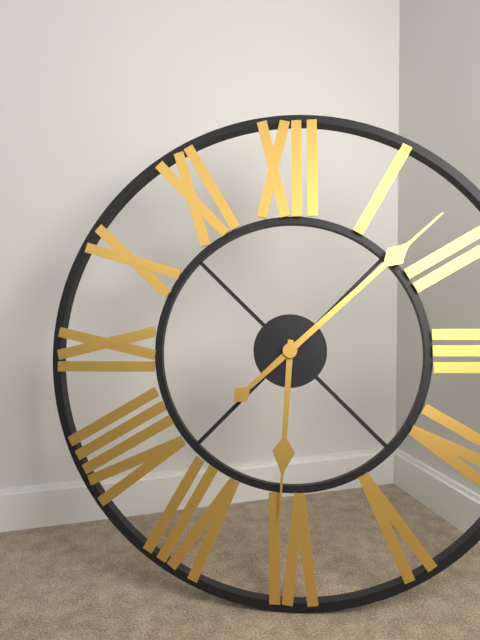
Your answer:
**6:08**
